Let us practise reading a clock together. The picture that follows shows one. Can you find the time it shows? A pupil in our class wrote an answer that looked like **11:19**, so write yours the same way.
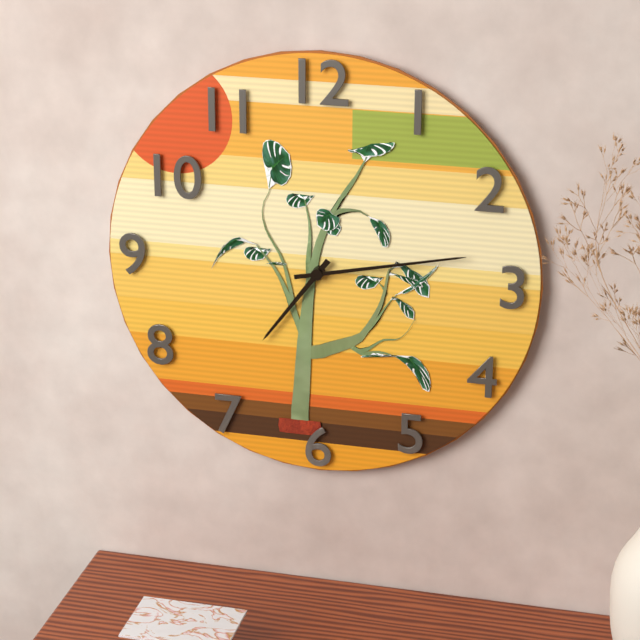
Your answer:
**7:13**
